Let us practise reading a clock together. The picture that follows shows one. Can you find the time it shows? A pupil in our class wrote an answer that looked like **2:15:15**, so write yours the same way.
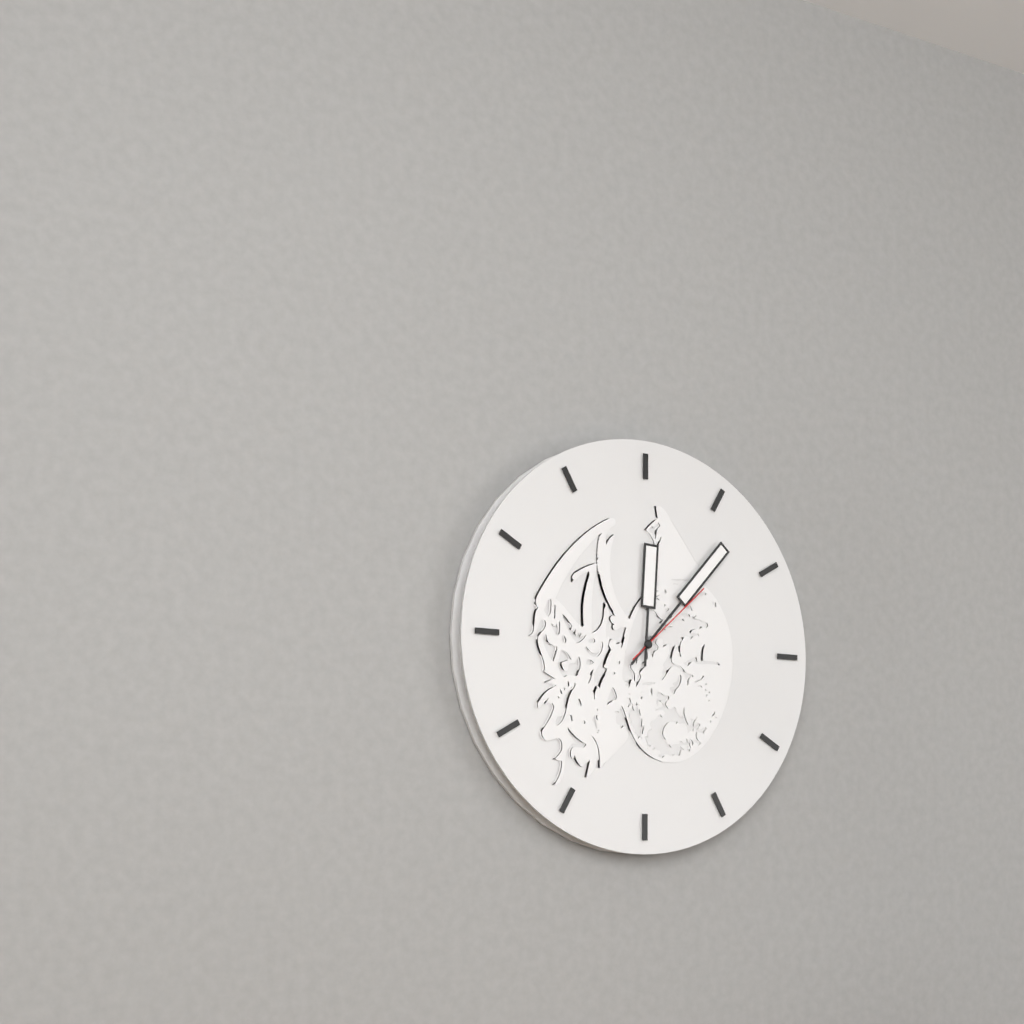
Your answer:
**12:07:08**
